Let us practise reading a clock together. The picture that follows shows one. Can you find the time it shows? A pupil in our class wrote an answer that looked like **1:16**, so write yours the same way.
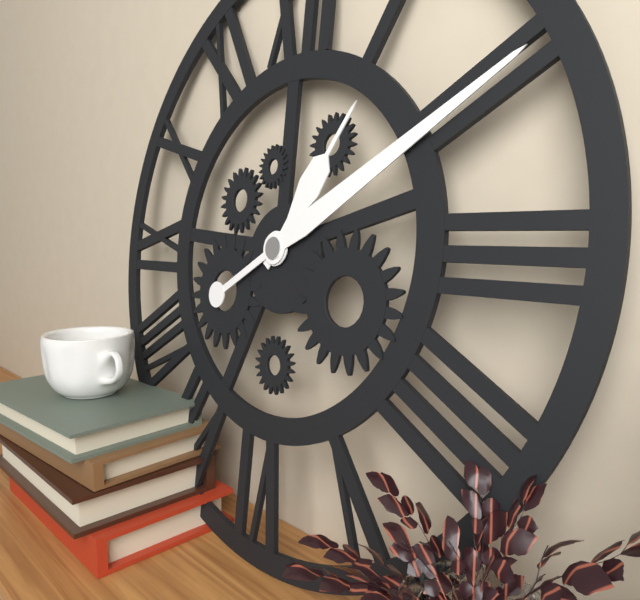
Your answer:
**1:10**
